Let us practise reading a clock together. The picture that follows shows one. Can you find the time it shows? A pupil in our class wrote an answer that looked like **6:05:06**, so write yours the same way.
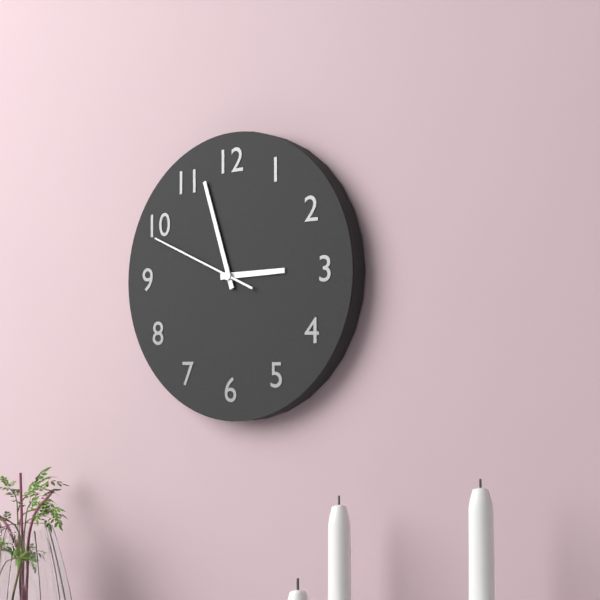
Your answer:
**2:57:49**
